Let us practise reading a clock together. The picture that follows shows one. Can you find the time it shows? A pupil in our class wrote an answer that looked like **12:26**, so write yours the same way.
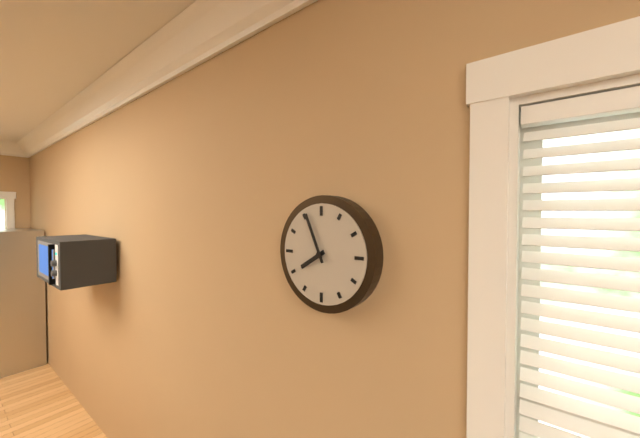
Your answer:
**7:56**
